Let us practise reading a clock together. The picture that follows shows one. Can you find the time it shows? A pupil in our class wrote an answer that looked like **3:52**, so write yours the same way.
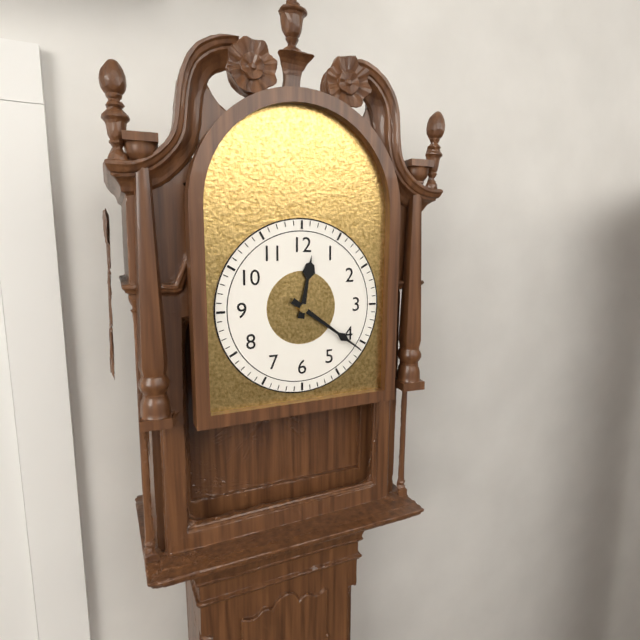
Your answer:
**12:21**
